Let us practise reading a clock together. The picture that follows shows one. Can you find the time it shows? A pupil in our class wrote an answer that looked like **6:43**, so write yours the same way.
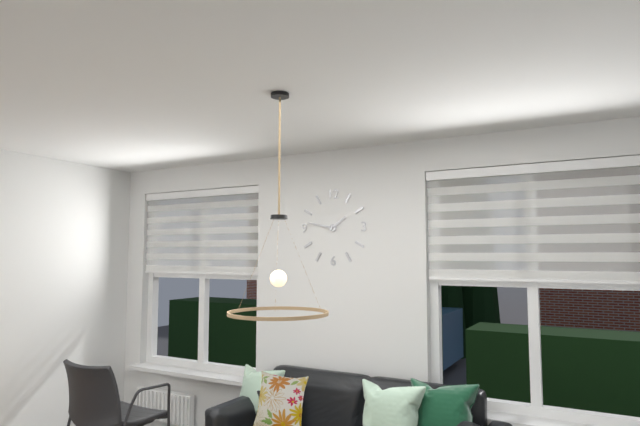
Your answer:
**1:47**
